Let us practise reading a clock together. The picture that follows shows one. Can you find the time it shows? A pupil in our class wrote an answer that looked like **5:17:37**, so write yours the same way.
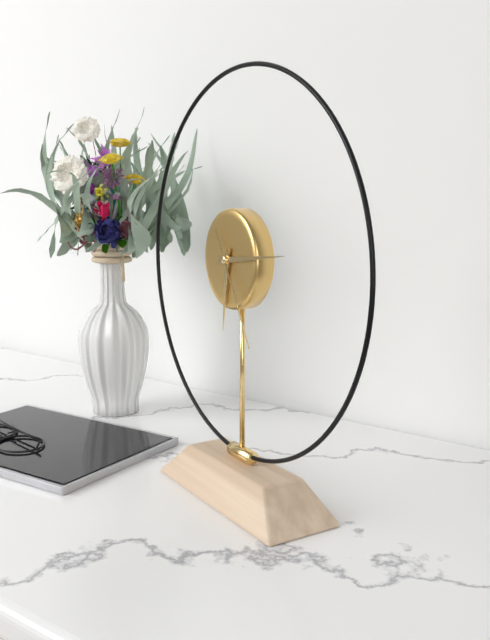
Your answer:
**6:14:25**
